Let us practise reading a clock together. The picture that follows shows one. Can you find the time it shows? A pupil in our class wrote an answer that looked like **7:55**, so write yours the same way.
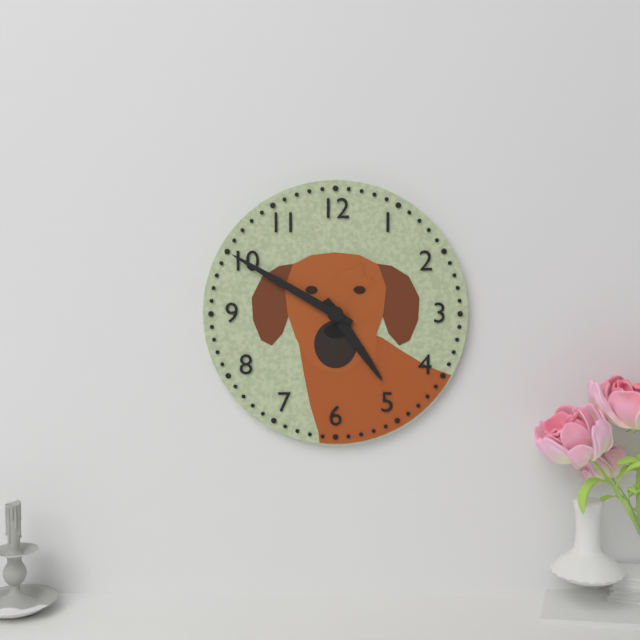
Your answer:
**4:50**
